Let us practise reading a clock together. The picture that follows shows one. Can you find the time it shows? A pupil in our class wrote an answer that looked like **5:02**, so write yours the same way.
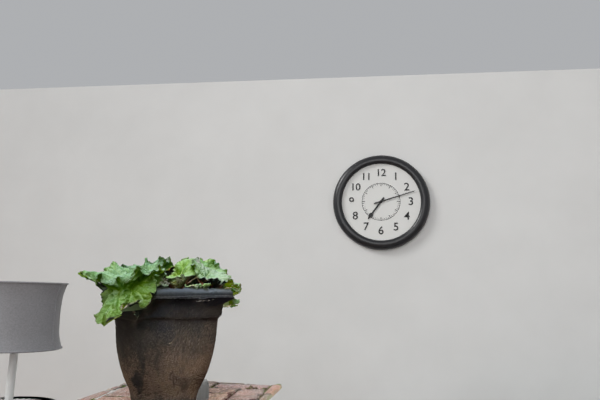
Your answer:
**7:12**
